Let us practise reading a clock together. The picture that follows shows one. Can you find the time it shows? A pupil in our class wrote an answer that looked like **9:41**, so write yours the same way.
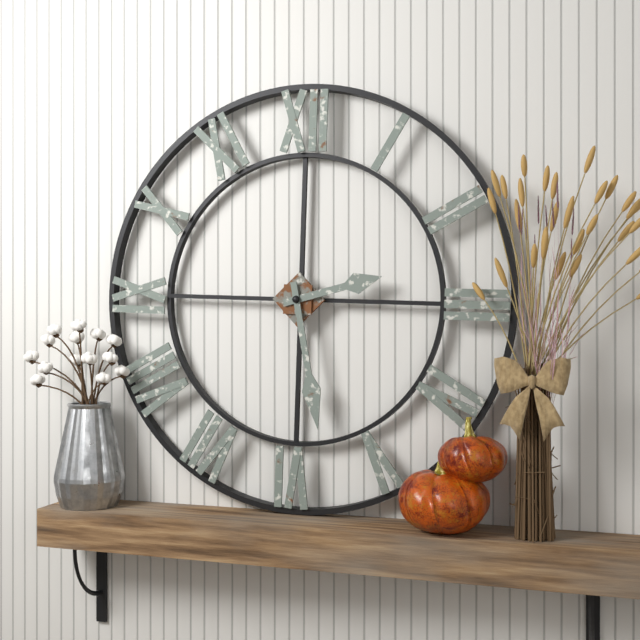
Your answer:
**2:28**
